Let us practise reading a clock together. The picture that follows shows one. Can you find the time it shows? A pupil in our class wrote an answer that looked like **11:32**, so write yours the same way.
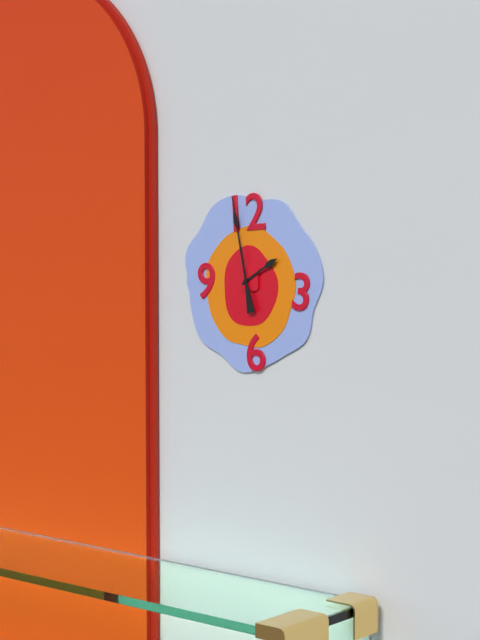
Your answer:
**1:58**
